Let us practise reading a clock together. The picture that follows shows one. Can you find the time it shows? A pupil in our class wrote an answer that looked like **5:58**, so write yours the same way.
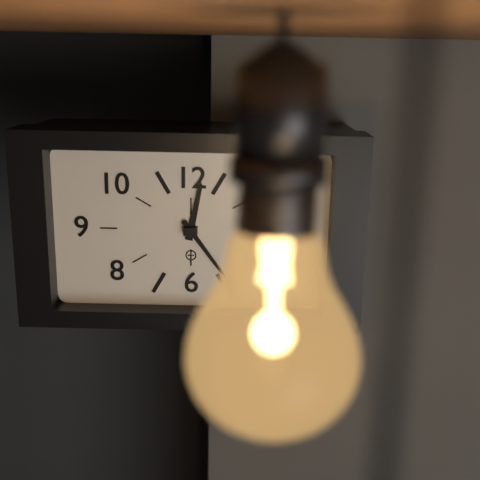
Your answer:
**12:24**
